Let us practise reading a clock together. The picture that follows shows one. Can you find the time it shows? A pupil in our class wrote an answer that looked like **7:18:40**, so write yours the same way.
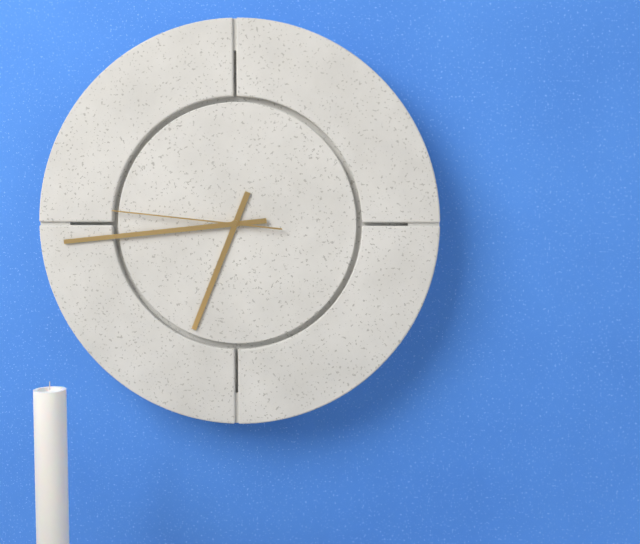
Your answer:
**6:44:46**
